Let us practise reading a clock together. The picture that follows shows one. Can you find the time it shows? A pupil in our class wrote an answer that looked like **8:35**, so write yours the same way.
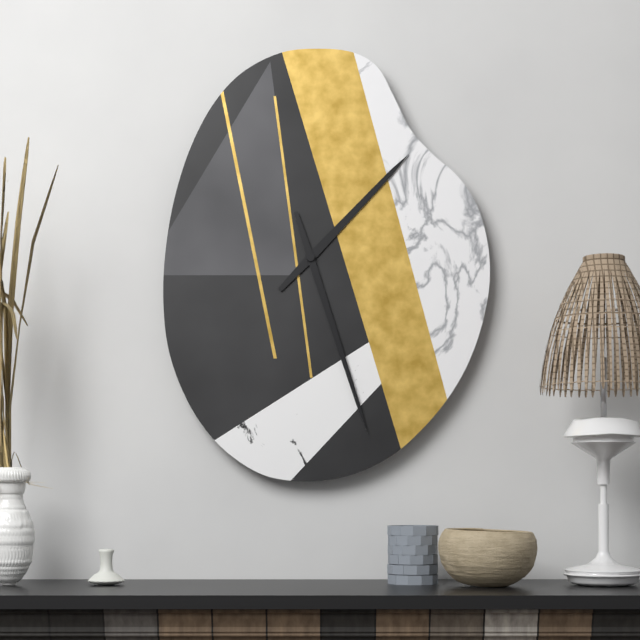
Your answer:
**1:27**
